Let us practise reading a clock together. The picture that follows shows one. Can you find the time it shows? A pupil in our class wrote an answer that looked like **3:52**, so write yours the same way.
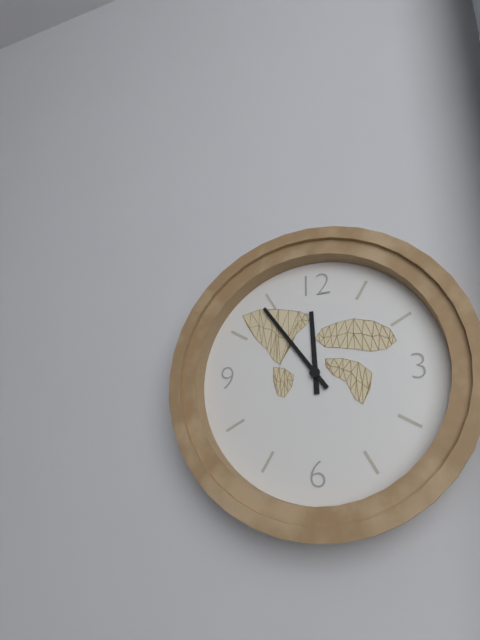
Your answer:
**11:54**
